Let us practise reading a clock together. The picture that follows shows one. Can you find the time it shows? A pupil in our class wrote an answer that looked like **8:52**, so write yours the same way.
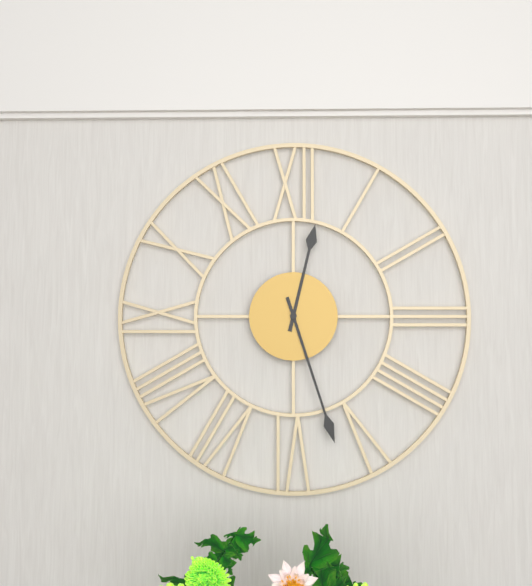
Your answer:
**12:27**
